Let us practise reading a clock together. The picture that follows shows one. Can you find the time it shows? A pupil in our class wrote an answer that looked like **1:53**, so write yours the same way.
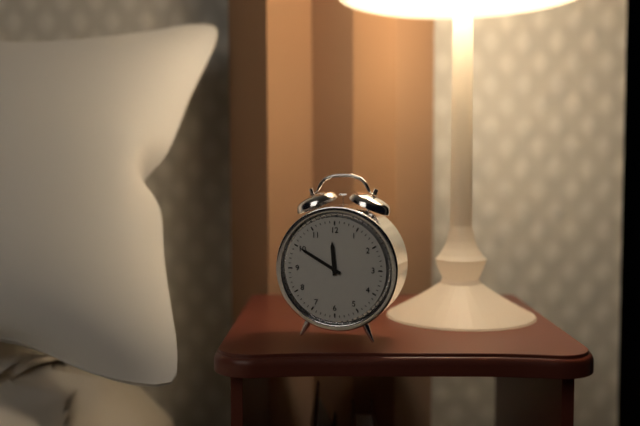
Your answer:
**11:50**
